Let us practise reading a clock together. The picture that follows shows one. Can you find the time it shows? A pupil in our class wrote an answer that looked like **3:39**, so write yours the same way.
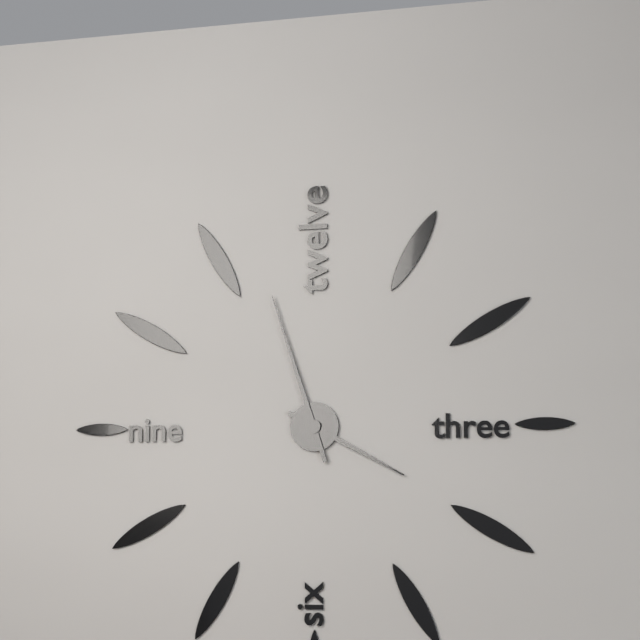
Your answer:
**3:57**
